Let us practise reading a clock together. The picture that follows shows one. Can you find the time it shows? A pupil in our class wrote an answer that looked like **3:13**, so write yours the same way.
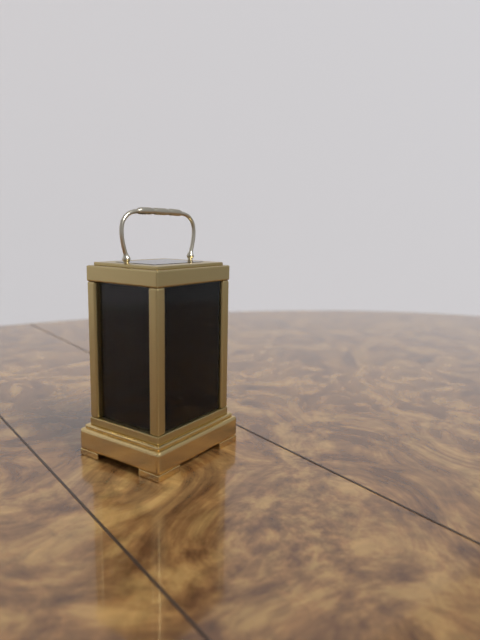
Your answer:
**6:24**
